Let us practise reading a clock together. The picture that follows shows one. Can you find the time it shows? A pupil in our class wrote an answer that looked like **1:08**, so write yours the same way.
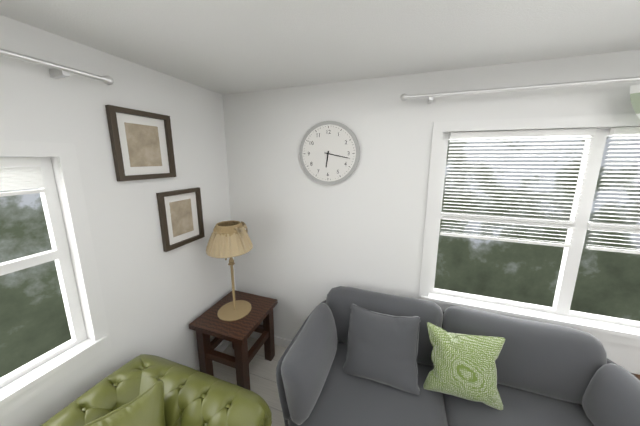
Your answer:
**6:17**
